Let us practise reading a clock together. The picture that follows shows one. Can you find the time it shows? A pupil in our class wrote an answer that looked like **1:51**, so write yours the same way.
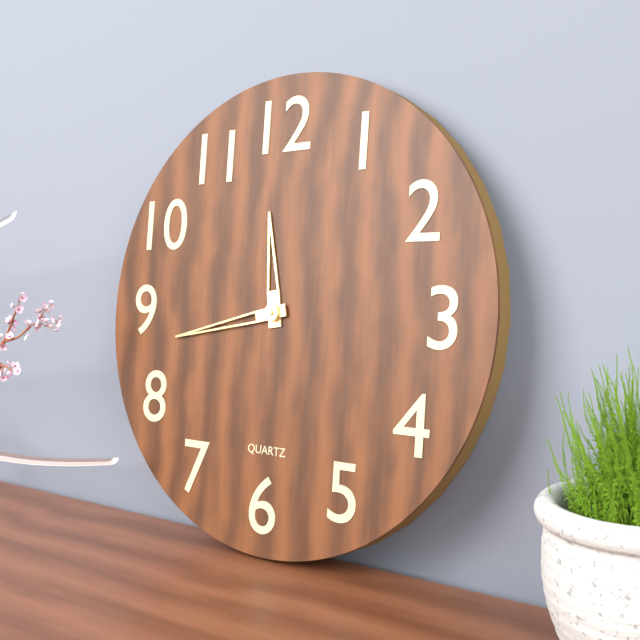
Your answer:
**11:43**
